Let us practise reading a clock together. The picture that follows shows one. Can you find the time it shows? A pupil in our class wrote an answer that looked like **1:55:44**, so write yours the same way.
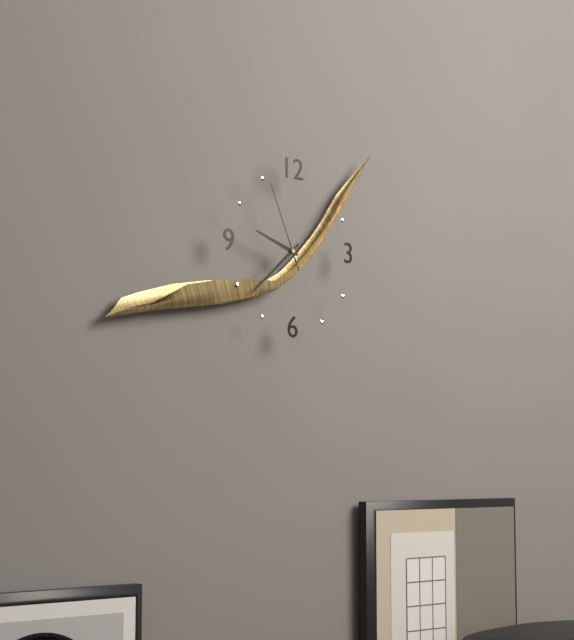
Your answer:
**9:38:56**
